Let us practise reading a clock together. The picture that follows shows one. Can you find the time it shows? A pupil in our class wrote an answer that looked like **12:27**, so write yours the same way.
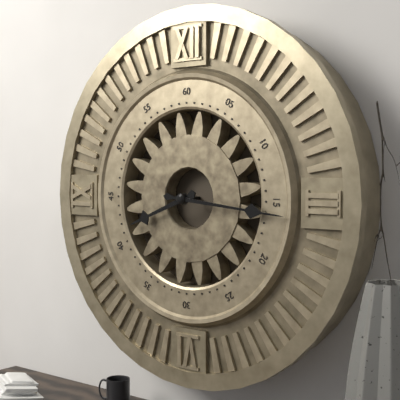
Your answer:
**8:16**
